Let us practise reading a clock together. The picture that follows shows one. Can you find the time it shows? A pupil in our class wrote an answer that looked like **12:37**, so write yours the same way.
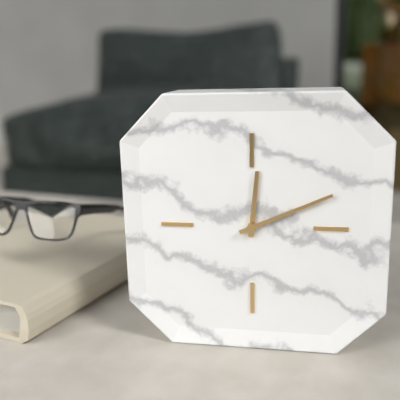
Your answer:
**12:11**
